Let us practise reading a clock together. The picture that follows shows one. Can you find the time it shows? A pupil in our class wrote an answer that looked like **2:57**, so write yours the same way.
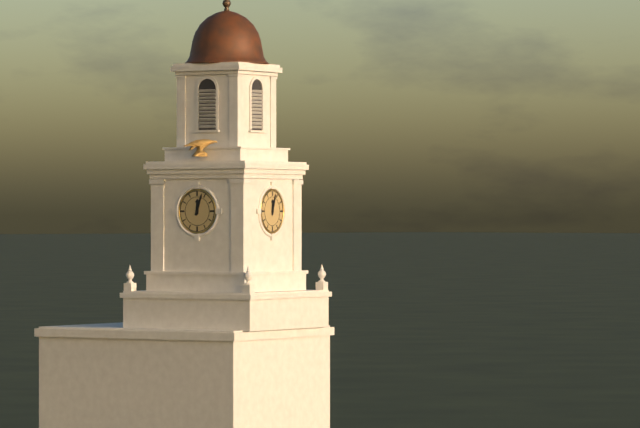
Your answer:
**12:03**
